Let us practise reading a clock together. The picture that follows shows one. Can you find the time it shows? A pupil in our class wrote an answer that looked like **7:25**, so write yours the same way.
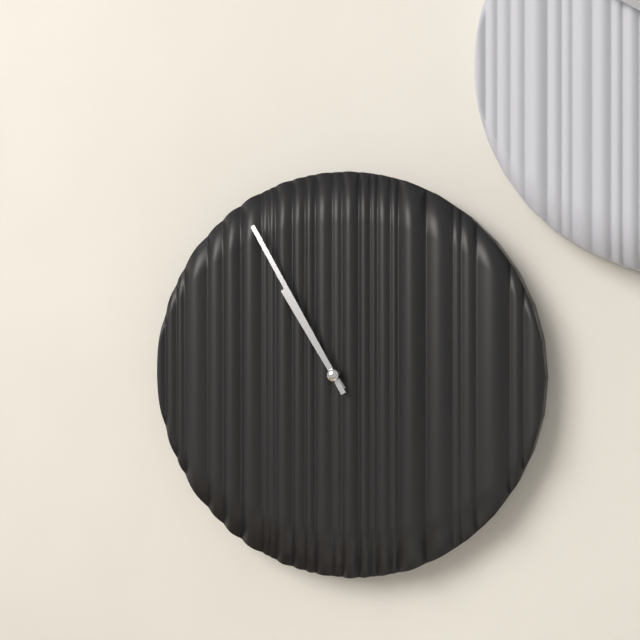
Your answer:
**10:55**
